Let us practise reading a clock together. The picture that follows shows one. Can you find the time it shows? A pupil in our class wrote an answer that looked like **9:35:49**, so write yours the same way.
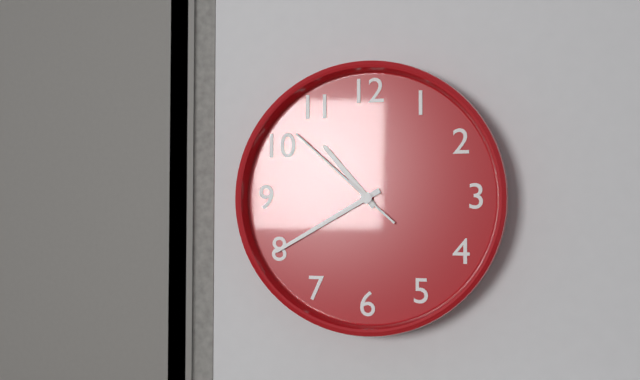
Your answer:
**10:40:52**
